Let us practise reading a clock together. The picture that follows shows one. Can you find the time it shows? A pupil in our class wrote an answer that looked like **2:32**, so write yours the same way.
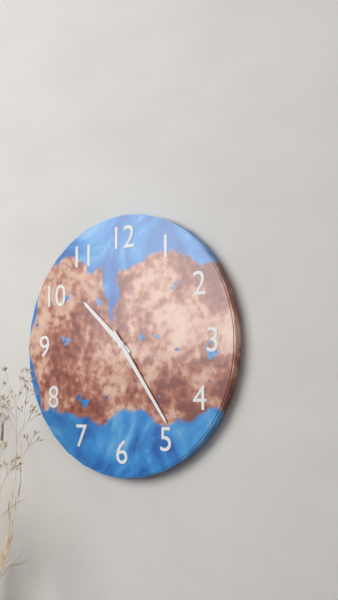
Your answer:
**10:24**
